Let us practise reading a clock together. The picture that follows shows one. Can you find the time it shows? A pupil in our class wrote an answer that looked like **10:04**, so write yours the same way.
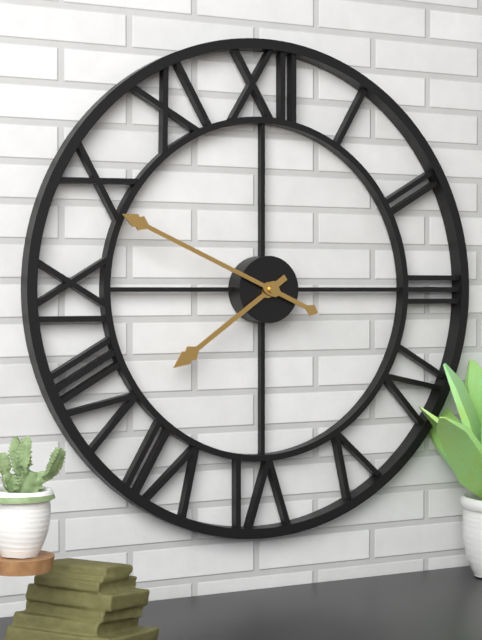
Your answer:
**7:49**
